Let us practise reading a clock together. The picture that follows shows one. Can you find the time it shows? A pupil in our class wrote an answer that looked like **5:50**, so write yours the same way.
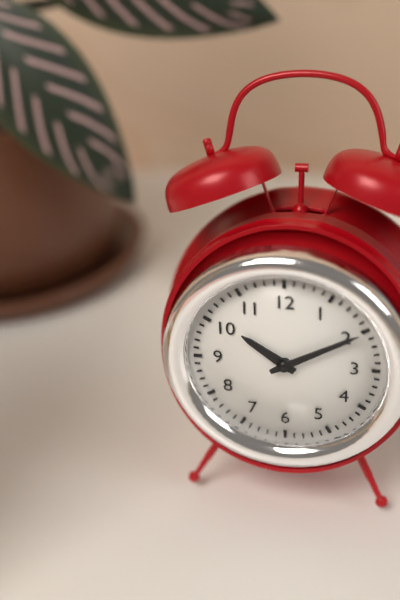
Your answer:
**10:10**
